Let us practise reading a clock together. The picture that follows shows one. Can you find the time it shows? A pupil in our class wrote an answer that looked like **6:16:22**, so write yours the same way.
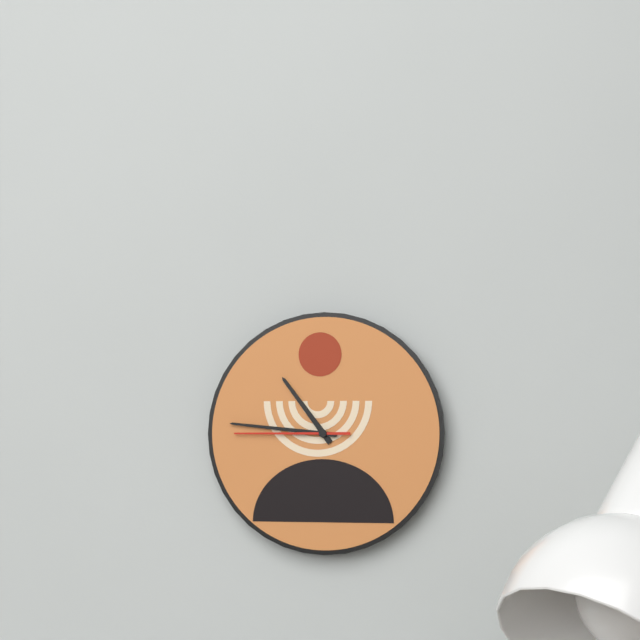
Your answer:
**10:46:45**
